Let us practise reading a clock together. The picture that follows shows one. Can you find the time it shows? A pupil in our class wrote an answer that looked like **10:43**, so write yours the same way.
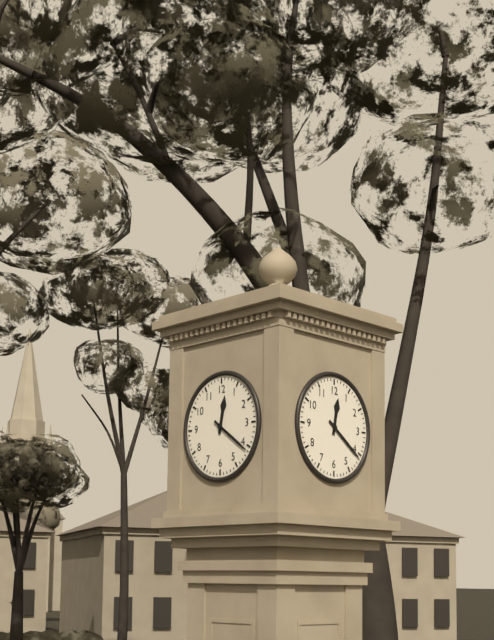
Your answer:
**12:21**
